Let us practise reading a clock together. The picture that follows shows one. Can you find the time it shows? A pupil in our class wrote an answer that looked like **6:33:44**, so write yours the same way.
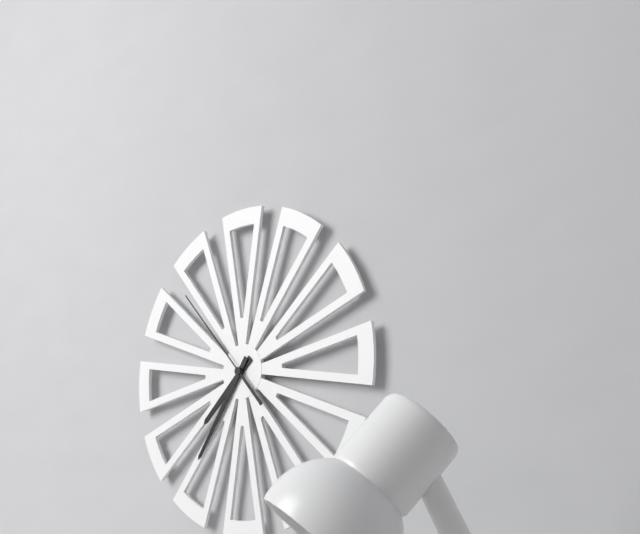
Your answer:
**7:36:53**
